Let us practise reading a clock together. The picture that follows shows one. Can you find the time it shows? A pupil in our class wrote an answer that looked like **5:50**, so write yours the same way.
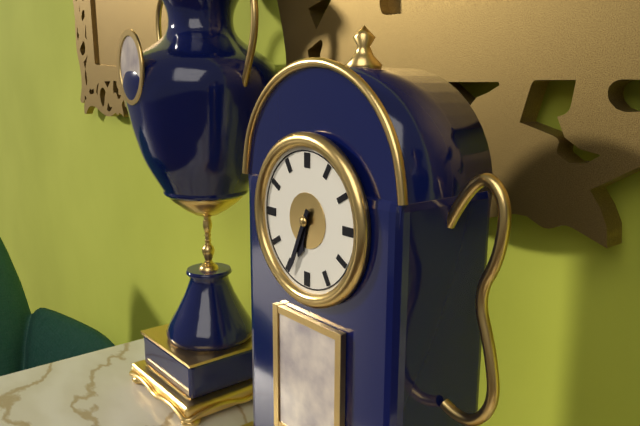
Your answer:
**6:34**
